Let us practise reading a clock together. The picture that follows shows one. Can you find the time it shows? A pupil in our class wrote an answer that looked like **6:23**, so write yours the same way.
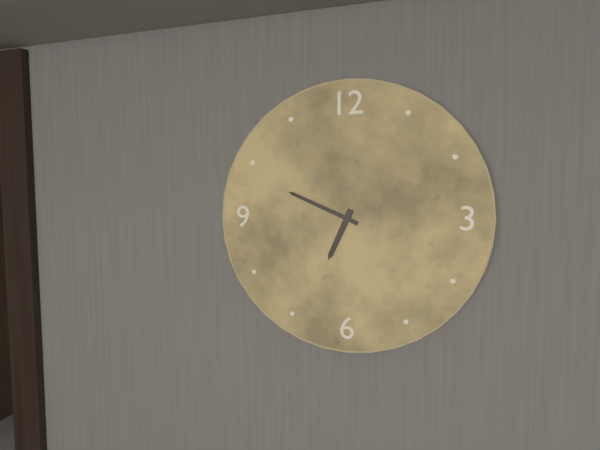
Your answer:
**6:49**
